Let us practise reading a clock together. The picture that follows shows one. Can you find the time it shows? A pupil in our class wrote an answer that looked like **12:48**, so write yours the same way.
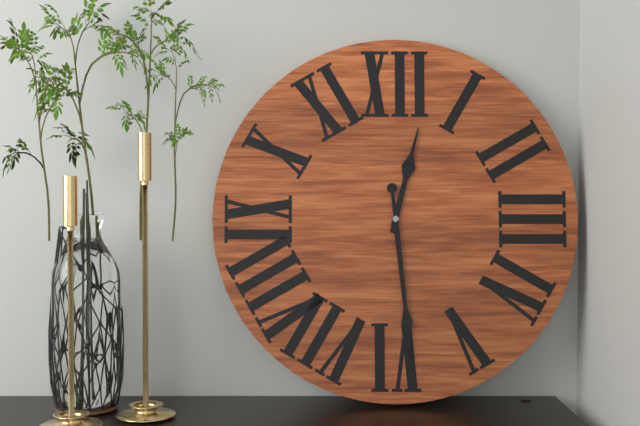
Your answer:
**12:29**
